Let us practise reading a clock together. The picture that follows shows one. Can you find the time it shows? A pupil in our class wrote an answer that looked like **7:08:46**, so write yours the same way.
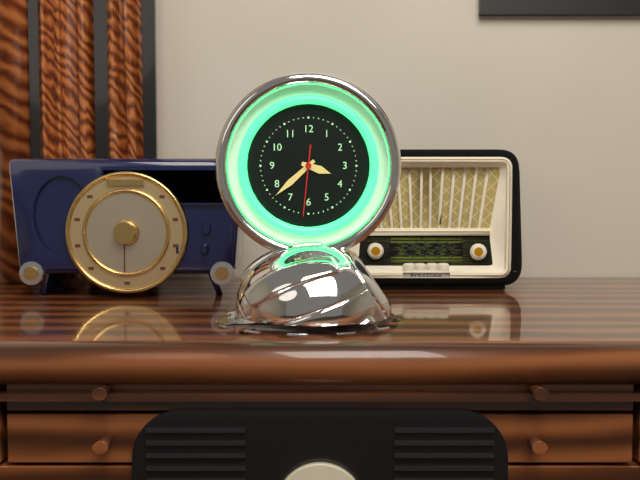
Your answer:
**3:38:31**
